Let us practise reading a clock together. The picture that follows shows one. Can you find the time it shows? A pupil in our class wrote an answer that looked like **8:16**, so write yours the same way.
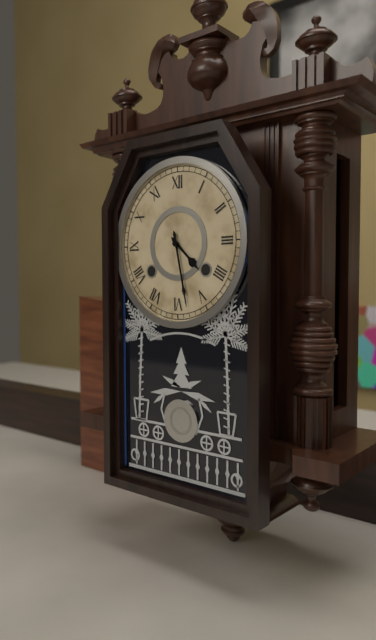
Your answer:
**4:28**
